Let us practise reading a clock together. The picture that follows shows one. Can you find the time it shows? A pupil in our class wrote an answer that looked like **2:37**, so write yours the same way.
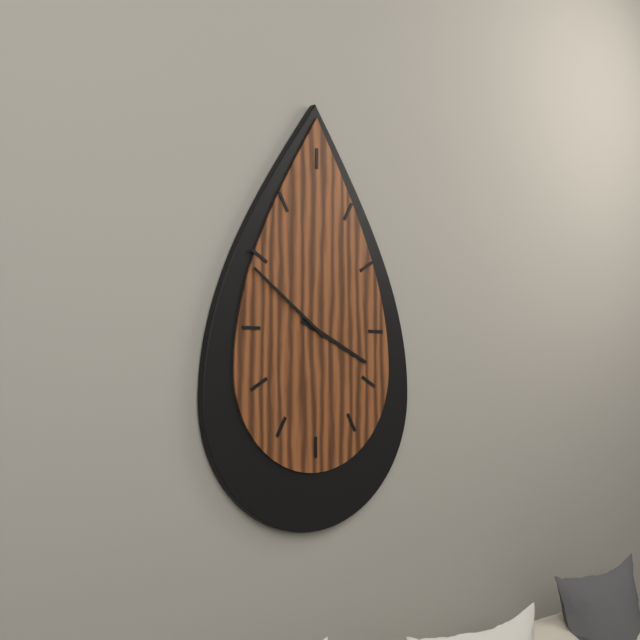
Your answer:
**3:51**
